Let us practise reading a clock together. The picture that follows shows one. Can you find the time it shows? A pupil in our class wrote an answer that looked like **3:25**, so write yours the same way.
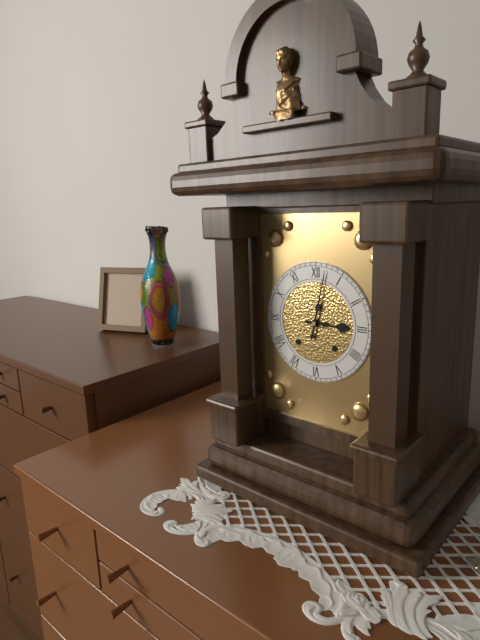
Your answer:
**3:02**
